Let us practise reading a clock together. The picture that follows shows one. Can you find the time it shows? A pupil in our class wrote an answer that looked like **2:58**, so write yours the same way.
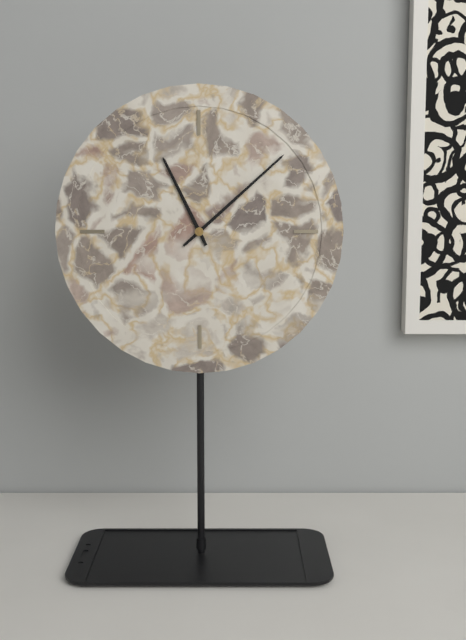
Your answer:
**11:08**
